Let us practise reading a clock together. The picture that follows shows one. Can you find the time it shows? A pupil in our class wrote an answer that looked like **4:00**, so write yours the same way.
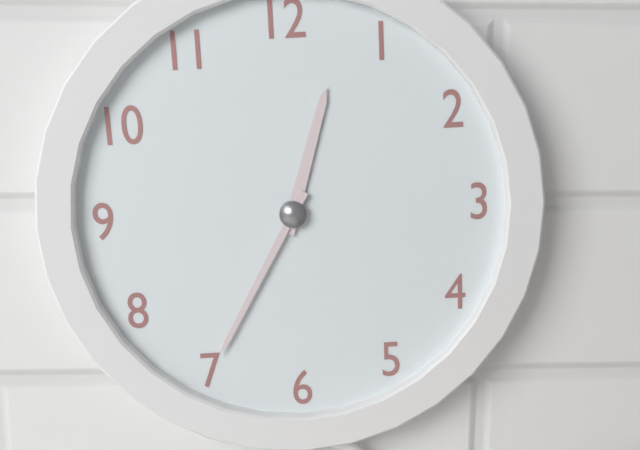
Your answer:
**12:35**
